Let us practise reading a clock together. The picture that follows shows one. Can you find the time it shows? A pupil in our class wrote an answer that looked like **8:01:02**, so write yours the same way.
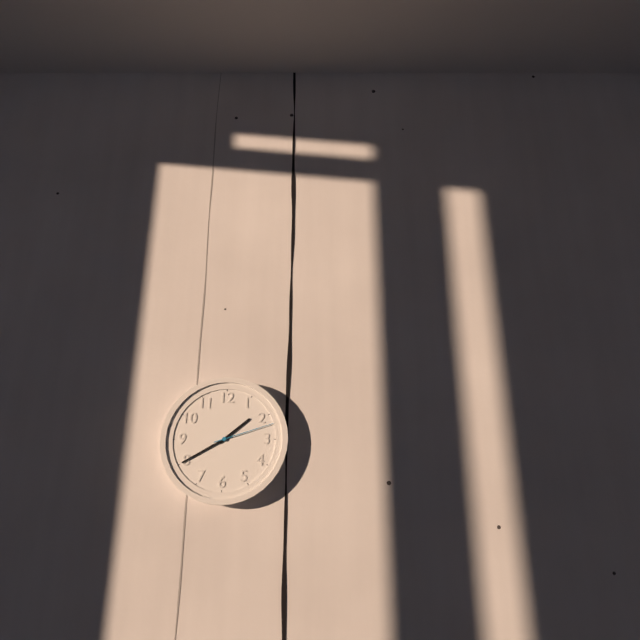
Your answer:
**1:40:12**
